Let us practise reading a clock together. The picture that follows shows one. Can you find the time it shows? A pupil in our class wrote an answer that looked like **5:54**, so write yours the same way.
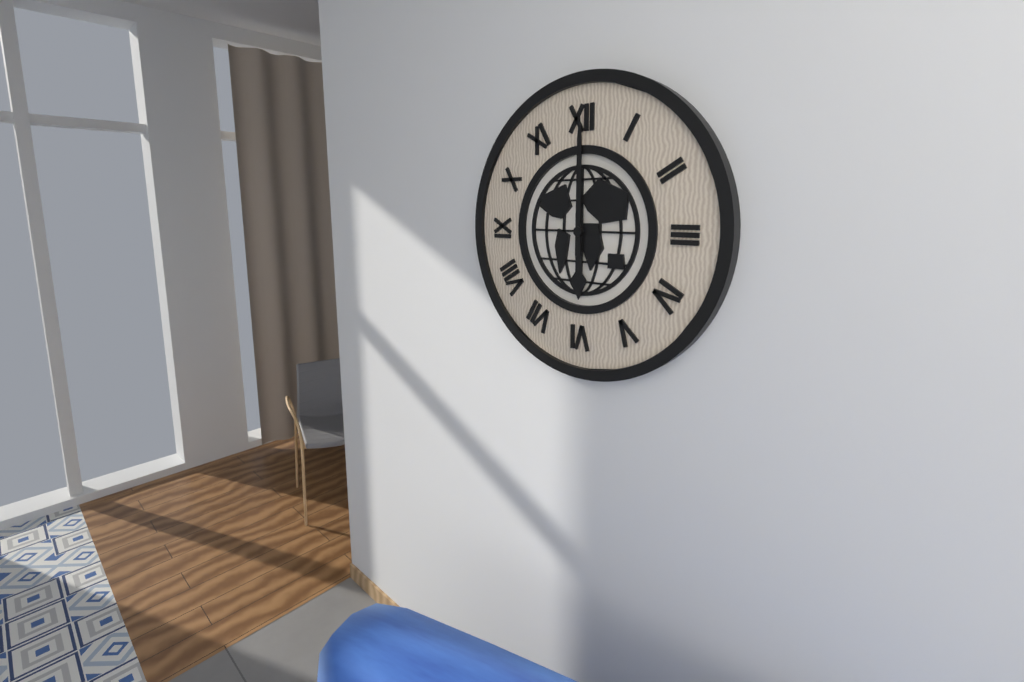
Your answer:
**6:00**
